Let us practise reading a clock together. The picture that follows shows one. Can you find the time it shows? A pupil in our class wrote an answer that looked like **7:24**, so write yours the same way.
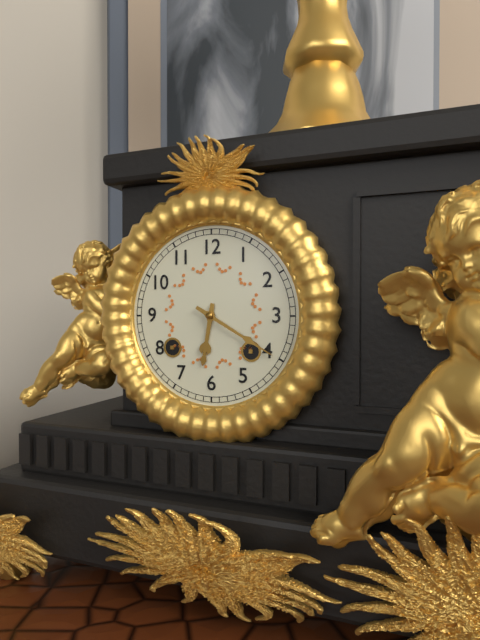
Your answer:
**6:20**
